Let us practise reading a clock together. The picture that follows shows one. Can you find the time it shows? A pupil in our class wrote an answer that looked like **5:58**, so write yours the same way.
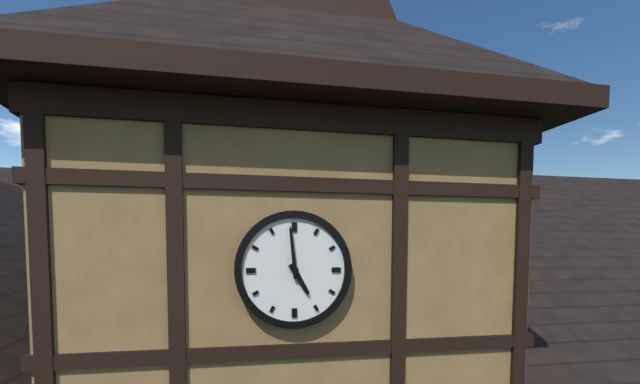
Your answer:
**4:59**
